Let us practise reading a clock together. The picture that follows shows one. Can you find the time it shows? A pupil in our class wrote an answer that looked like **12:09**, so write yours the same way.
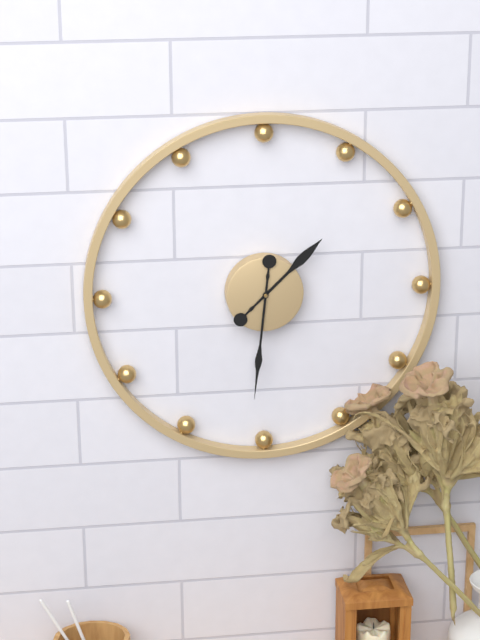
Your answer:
**1:31**
